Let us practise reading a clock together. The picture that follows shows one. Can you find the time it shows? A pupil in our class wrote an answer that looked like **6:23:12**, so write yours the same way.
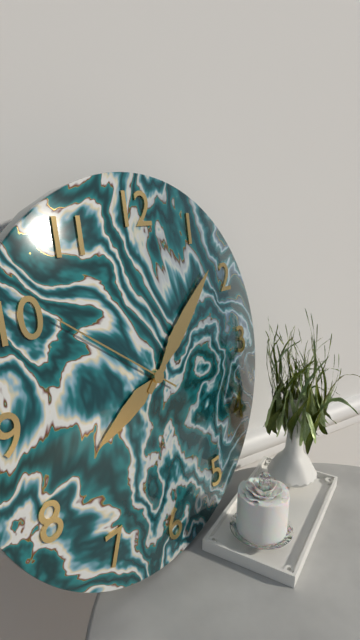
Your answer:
**8:08:51**
